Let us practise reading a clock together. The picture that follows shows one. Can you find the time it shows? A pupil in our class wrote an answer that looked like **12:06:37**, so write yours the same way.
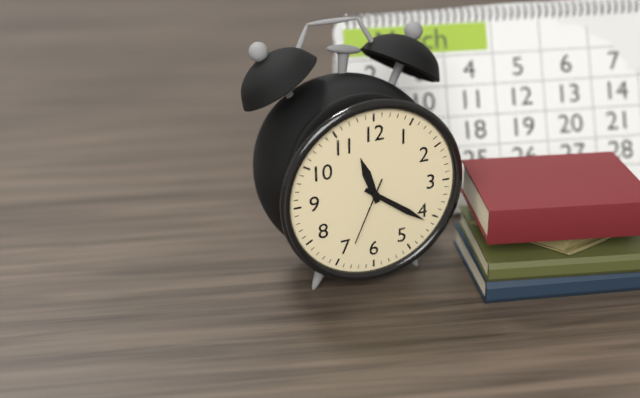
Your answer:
**11:21:34**
